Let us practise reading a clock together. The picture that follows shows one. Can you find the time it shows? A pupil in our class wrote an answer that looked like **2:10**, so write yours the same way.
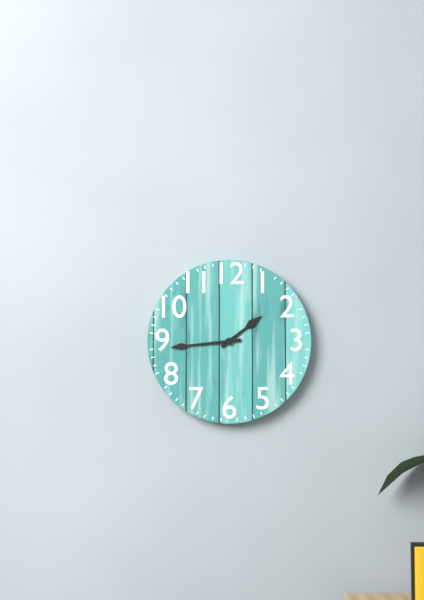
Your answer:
**1:44**
